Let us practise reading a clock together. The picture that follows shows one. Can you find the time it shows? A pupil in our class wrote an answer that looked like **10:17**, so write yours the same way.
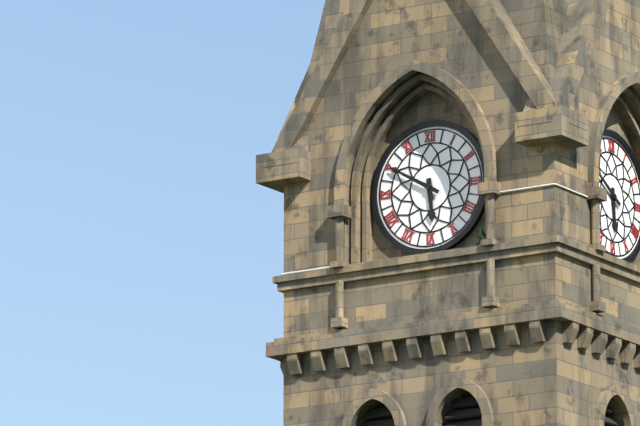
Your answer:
**5:50**
